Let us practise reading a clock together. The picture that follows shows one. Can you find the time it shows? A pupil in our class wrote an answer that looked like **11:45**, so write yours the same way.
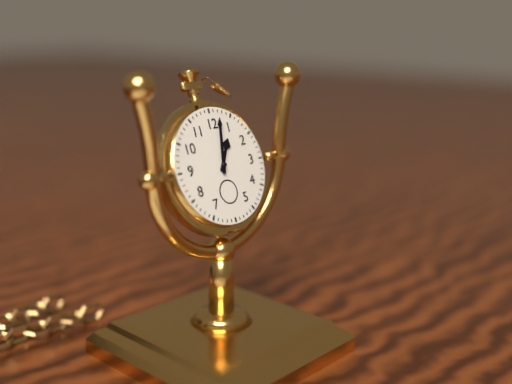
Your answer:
**1:02**
